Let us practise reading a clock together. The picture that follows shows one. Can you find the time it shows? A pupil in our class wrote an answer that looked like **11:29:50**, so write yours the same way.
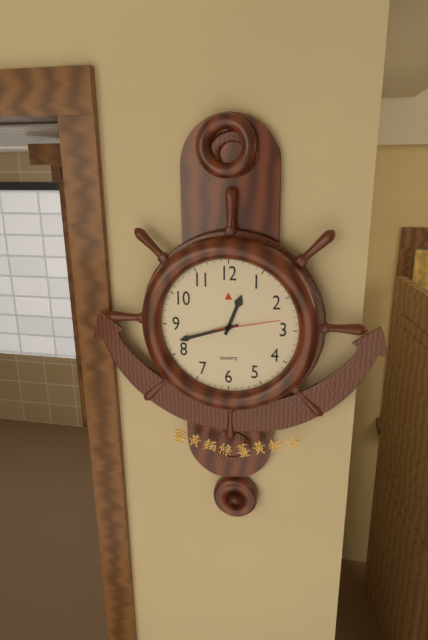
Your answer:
**12:42:13**
